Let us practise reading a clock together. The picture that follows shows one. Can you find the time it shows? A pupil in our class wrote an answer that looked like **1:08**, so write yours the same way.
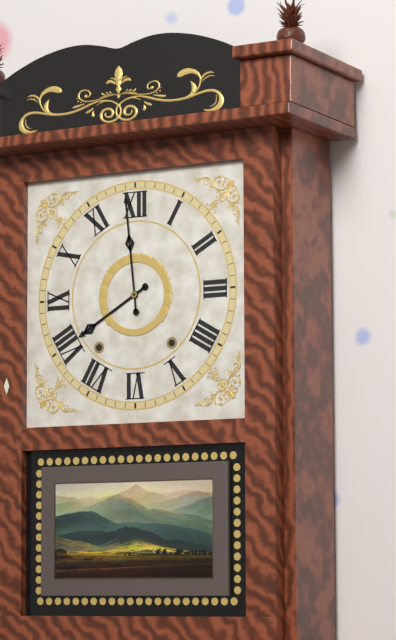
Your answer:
**7:59**
